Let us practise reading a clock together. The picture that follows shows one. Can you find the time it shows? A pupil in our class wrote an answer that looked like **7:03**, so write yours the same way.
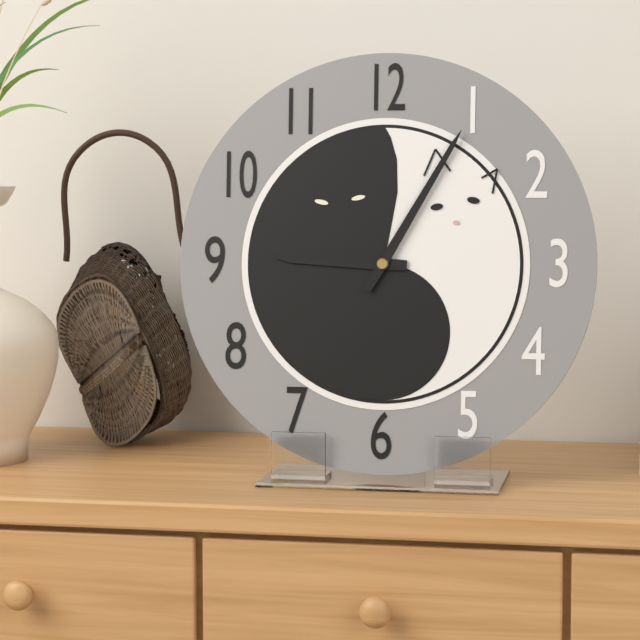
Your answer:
**9:05**
